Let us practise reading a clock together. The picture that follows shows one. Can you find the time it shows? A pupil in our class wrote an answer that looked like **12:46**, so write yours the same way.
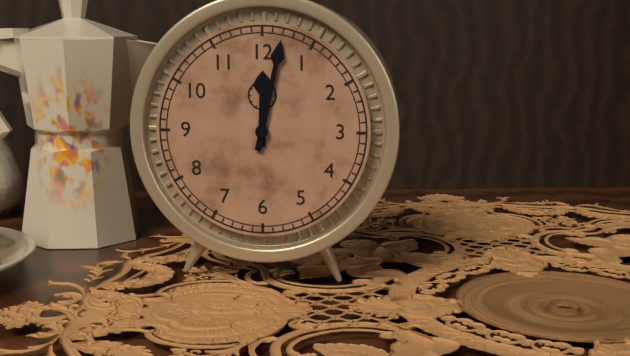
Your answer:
**12:02**
